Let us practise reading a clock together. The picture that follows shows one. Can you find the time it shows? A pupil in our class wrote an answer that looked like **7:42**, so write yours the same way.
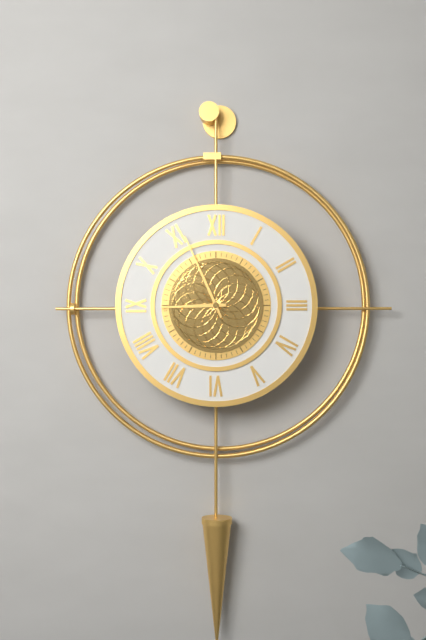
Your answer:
**8:56**
